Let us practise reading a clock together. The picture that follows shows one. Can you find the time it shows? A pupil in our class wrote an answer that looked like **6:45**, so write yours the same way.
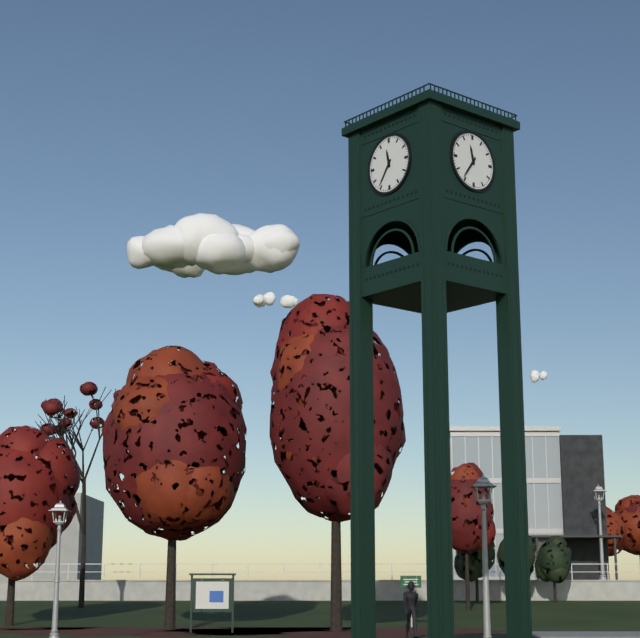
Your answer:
**11:36**
